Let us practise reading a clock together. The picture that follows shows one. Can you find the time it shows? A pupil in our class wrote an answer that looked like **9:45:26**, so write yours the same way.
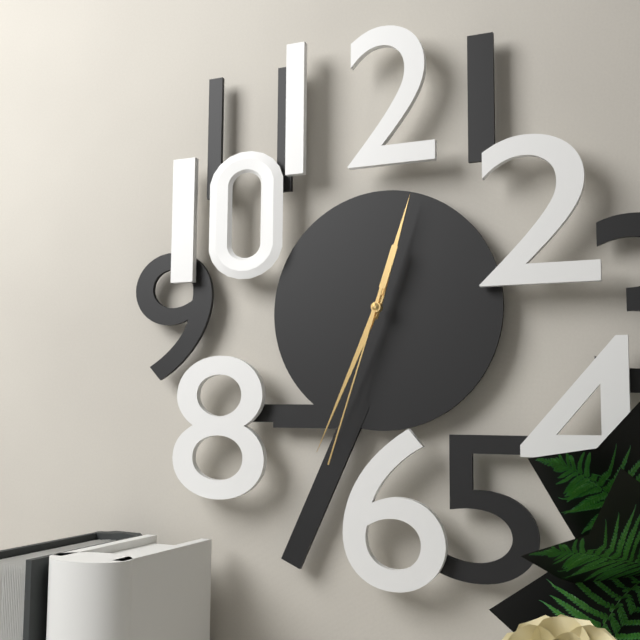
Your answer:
**12:34:33**
